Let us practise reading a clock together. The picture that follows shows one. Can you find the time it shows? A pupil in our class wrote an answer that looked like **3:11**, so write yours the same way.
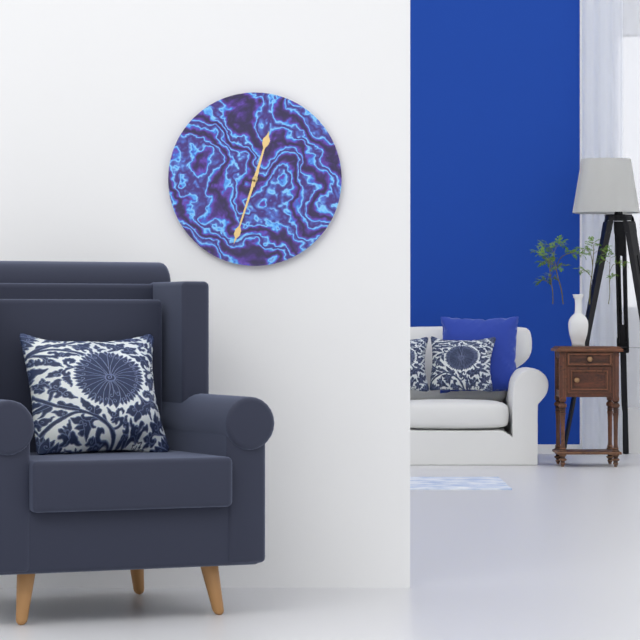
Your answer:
**12:33**
